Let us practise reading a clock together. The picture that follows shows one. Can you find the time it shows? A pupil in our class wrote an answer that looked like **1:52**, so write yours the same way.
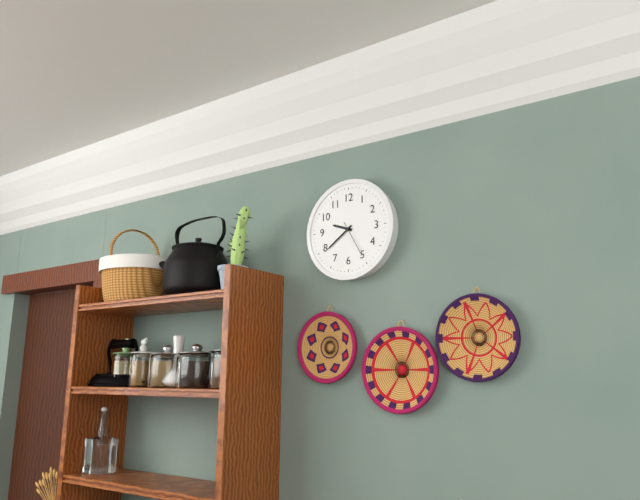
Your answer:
**9:39**
